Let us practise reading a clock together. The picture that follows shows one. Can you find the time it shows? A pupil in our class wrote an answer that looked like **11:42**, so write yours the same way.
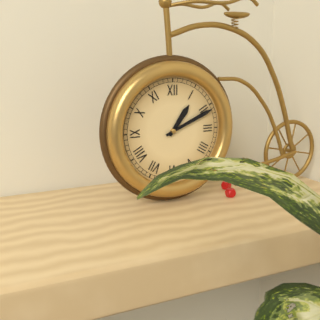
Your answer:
**1:11**
